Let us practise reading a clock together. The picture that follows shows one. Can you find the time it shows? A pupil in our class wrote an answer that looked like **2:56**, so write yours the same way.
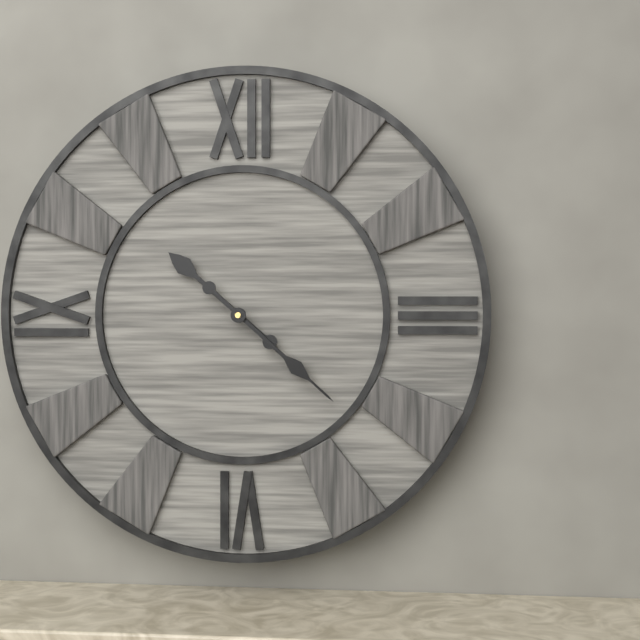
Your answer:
**10:22**
